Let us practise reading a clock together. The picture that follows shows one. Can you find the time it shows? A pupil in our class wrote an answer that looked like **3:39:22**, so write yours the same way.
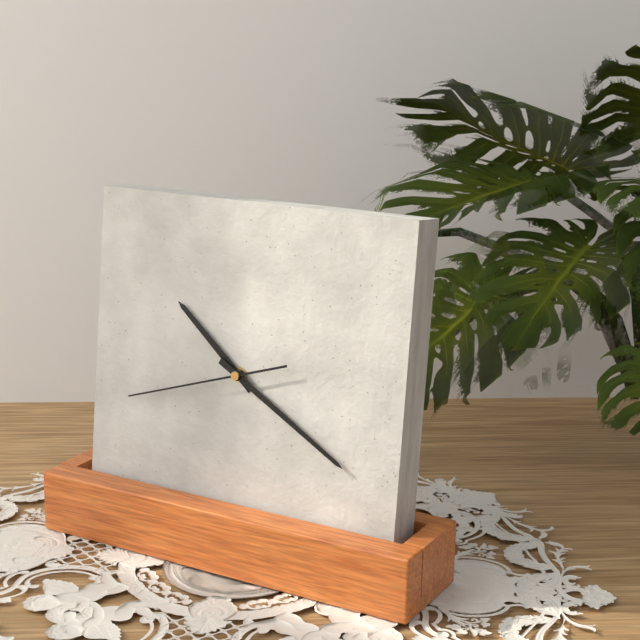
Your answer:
**10:20:42**
